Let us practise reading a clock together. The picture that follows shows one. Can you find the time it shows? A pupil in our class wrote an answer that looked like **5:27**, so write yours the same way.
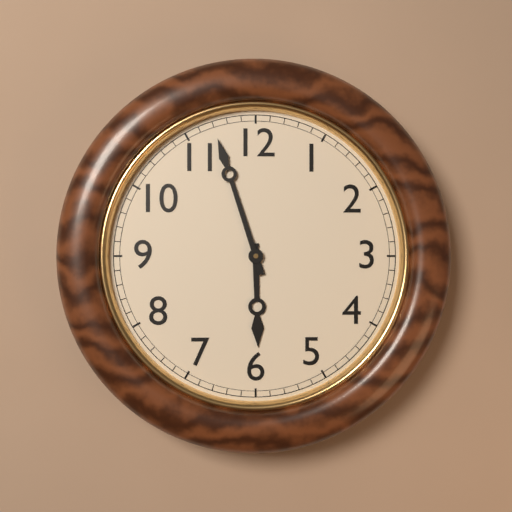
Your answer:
**5:57**
